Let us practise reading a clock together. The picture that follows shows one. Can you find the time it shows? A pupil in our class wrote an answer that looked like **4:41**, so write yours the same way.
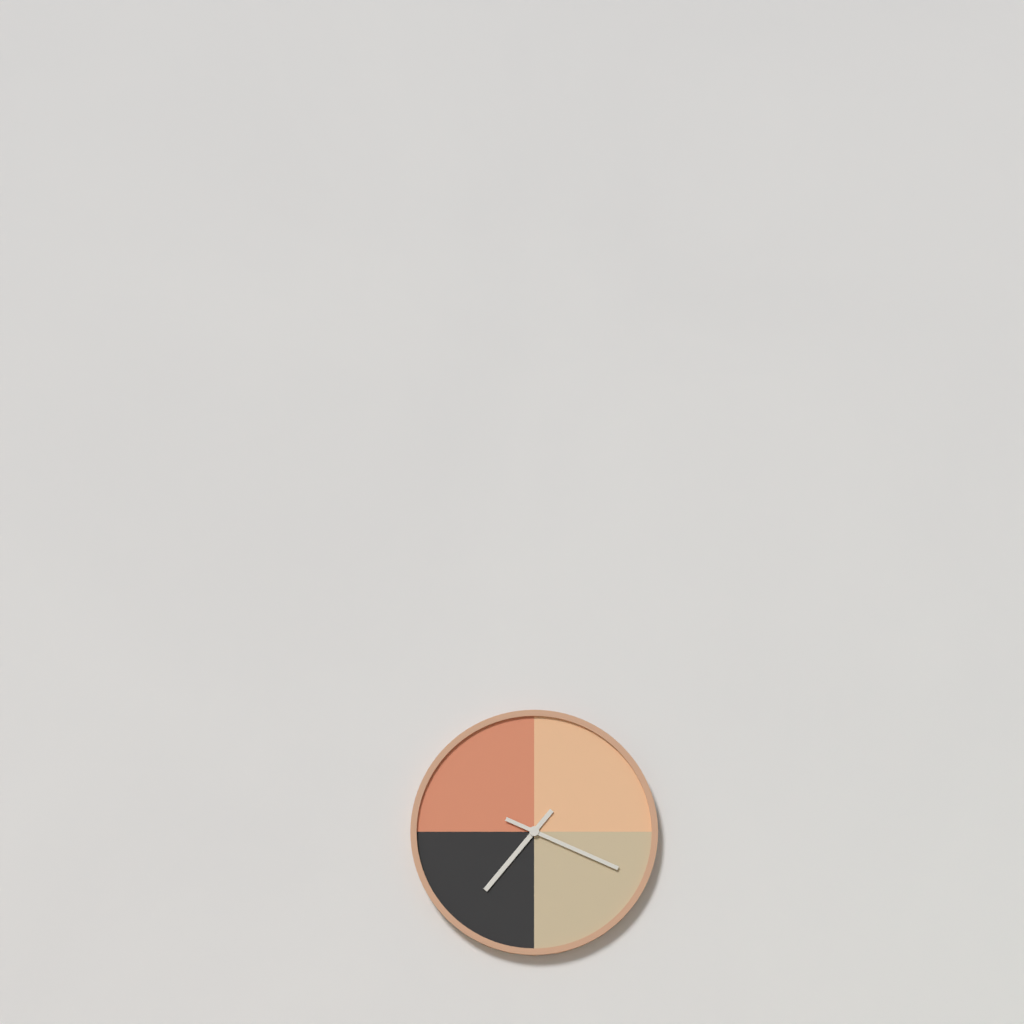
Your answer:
**7:19**
